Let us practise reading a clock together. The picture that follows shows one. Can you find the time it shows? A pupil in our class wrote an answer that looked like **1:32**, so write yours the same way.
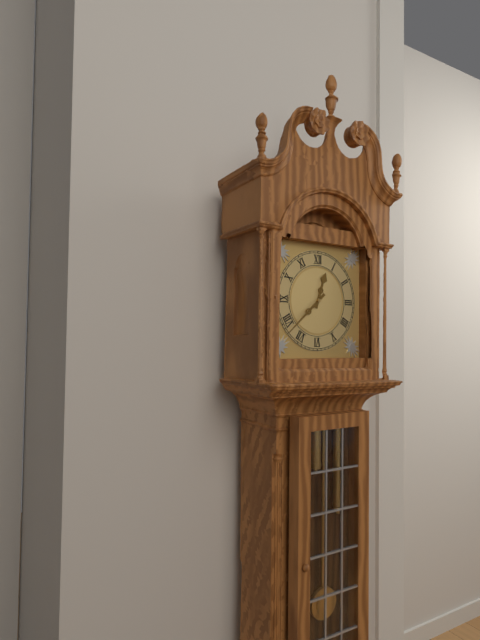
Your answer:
**12:38**
